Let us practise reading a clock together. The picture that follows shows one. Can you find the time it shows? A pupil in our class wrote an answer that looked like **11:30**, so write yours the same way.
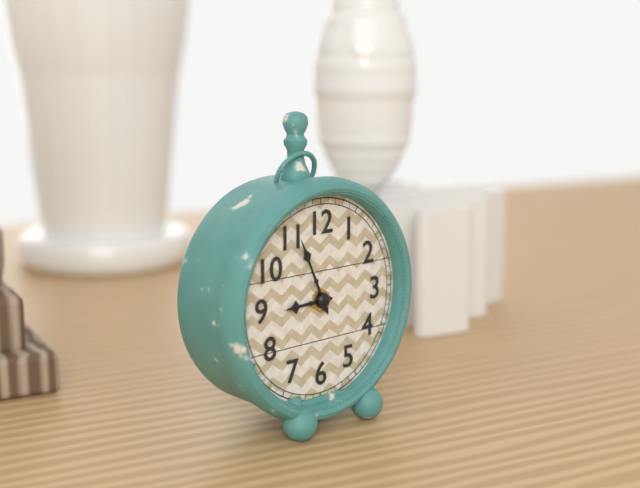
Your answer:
**8:56**
